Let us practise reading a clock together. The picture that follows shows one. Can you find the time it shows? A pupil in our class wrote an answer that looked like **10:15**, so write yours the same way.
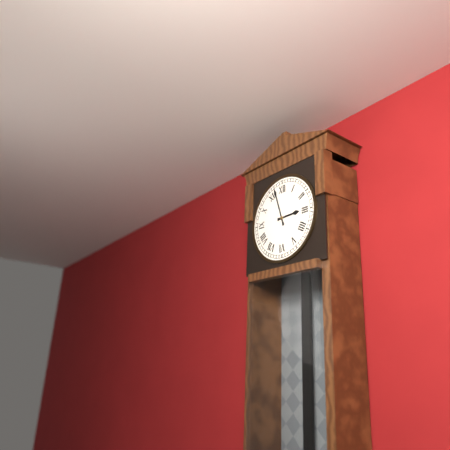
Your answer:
**2:57**
